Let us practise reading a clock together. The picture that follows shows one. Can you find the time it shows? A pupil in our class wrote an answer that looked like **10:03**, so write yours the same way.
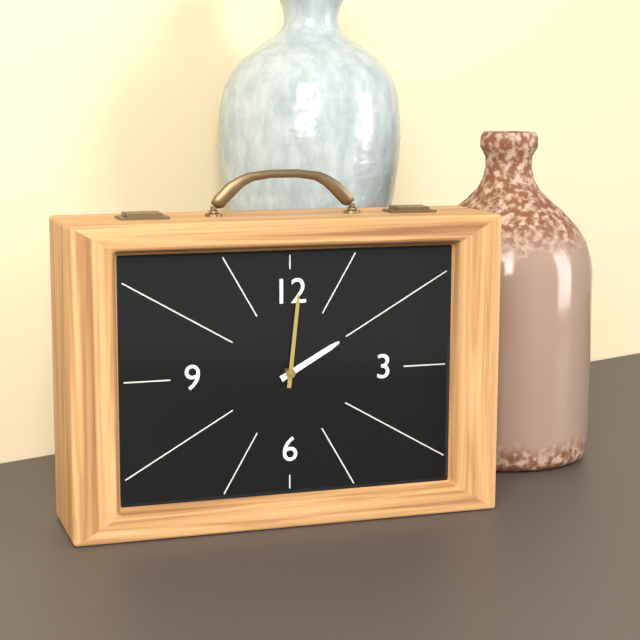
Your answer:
**2:01**
